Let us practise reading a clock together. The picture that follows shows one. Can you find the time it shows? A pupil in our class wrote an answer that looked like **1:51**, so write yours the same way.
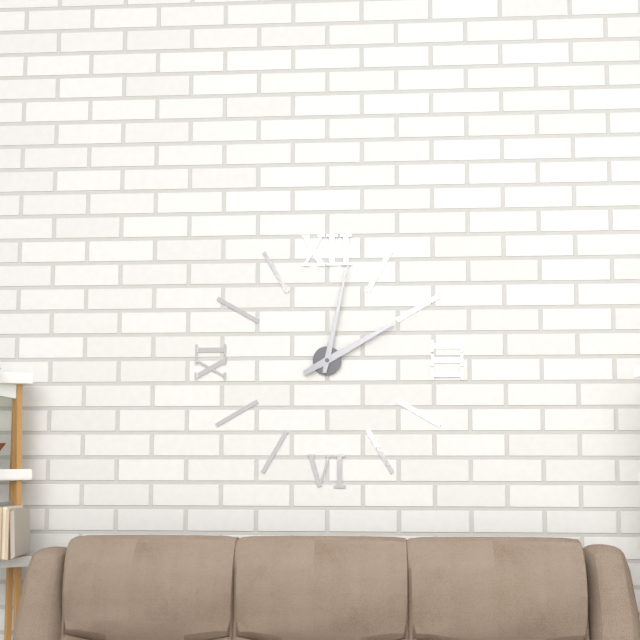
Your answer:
**2:02**
